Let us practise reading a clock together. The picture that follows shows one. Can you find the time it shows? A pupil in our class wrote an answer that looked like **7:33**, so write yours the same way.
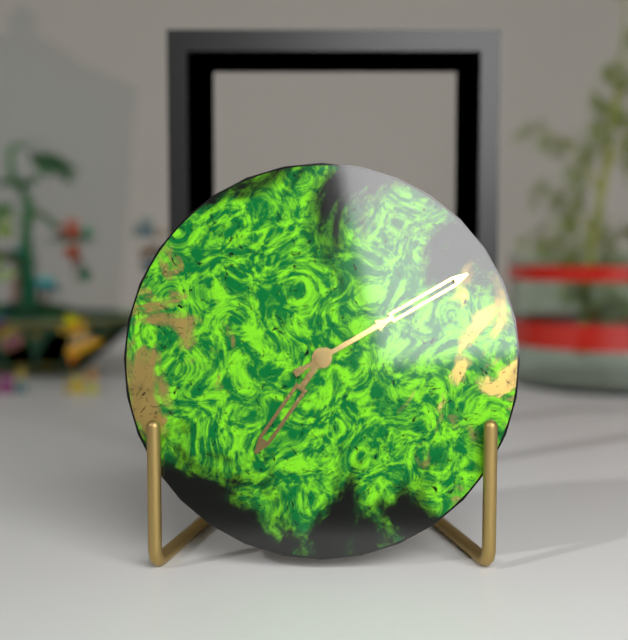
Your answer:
**7:10**
